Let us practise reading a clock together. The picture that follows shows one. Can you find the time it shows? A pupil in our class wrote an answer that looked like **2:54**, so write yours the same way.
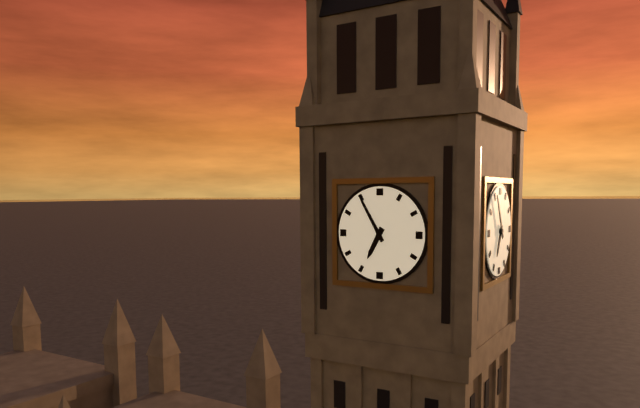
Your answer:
**6:55**
